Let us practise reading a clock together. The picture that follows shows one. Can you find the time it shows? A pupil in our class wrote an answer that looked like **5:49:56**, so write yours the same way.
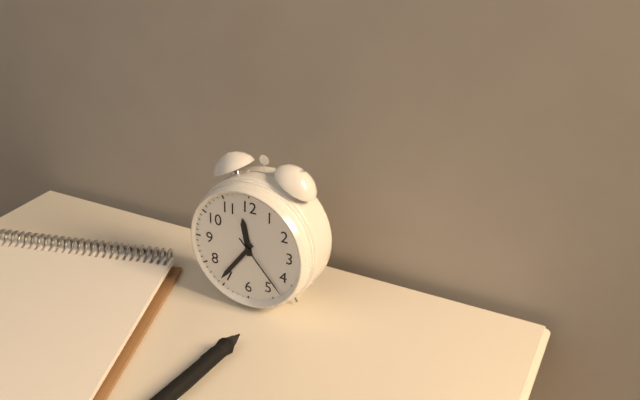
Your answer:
**11:36:23**
